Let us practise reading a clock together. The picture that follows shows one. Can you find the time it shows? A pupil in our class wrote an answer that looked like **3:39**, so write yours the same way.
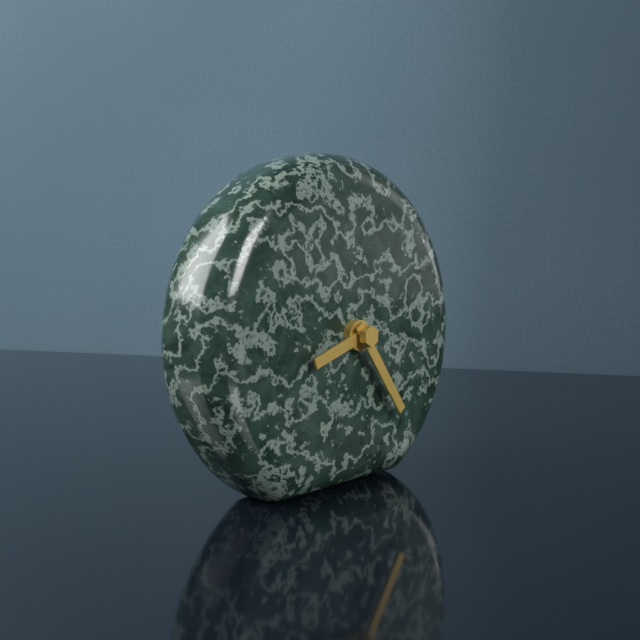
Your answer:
**8:24**
